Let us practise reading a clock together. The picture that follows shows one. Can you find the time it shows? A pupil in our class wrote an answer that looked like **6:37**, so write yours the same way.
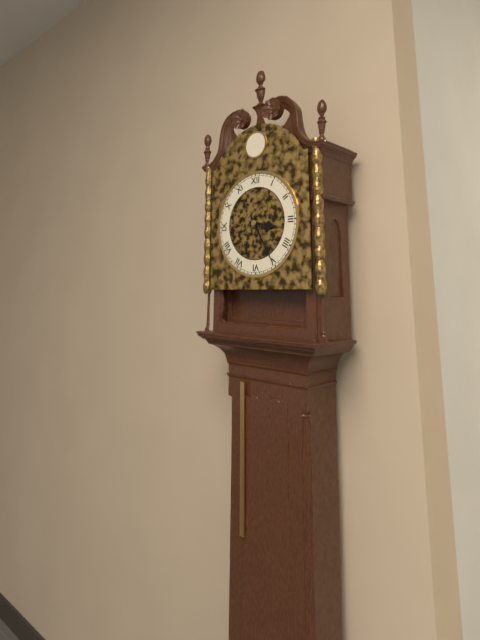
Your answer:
**3:25**
